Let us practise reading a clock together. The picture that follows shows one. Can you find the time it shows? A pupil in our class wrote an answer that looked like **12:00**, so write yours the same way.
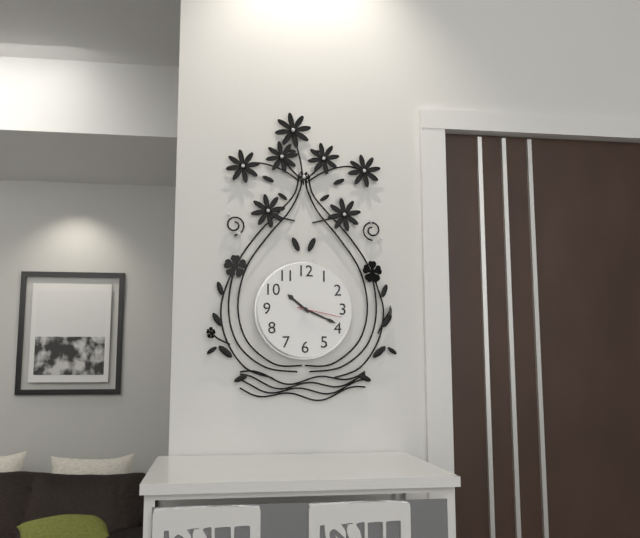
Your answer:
**10:19**
